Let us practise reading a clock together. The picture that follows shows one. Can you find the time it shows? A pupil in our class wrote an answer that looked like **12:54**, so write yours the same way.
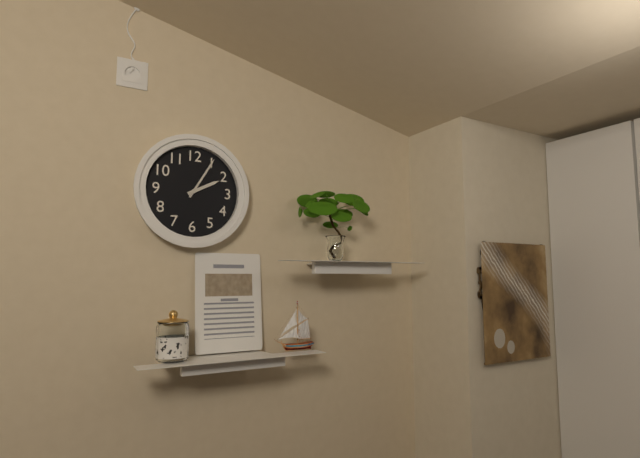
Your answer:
**2:05**
